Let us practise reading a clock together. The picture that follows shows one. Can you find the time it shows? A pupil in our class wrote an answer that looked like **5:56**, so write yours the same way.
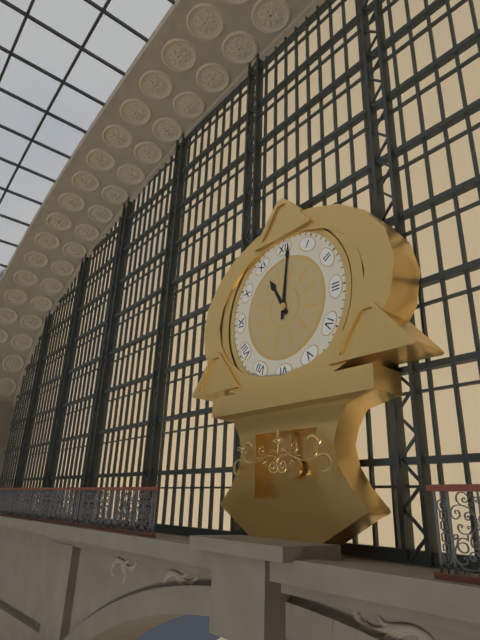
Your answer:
**11:01**
